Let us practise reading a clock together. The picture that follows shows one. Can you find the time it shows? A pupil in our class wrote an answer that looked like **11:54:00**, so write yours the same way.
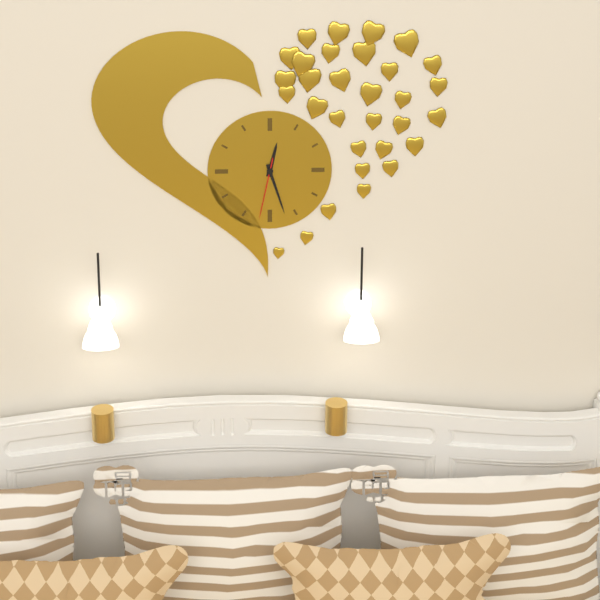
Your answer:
**12:27:32**
